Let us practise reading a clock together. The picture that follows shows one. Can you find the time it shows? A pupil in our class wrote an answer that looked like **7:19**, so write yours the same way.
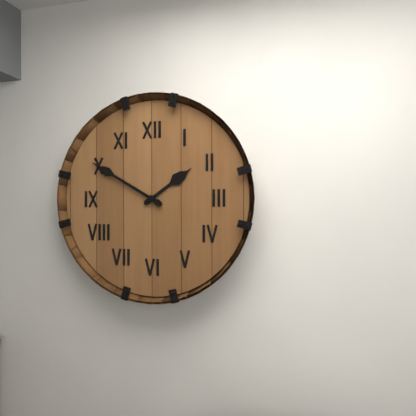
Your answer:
**1:50**
